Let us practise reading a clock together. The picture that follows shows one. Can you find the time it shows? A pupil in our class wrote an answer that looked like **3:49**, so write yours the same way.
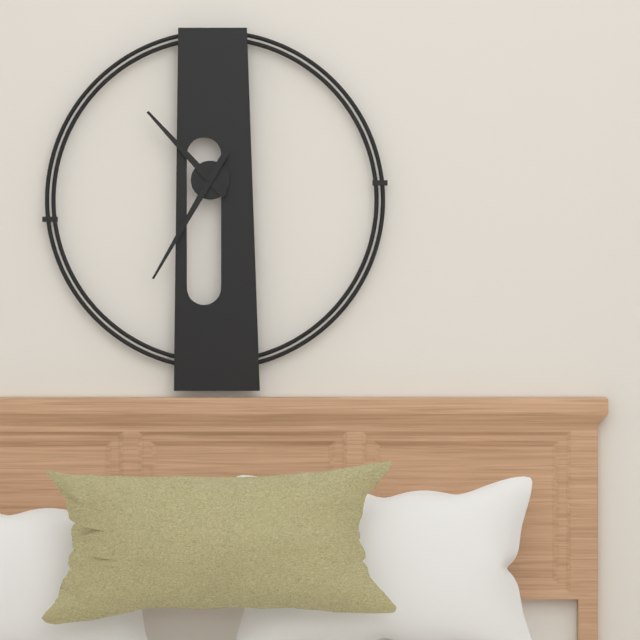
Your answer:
**10:35**
